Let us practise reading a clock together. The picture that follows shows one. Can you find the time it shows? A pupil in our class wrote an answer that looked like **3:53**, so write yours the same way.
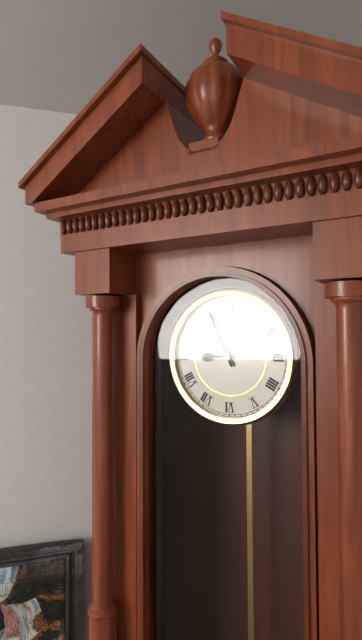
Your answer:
**8:56**
